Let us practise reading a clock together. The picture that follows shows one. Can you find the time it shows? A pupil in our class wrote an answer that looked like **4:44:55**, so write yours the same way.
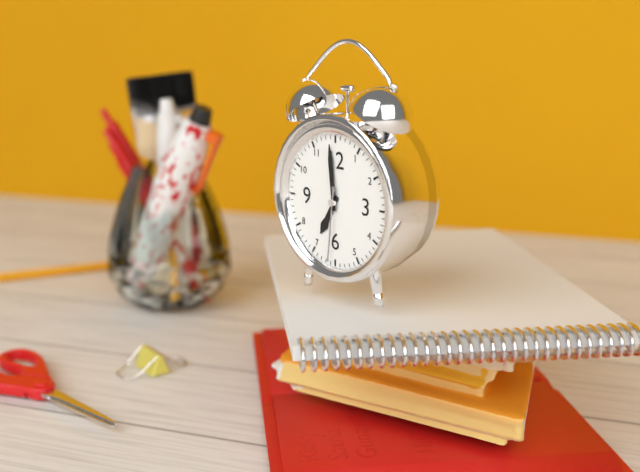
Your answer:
**6:59:31**
